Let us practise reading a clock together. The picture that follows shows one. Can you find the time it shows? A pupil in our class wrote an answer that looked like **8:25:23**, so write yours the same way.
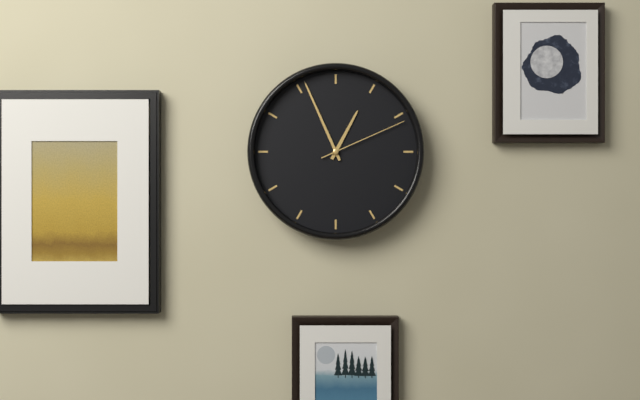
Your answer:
**12:56:11**
